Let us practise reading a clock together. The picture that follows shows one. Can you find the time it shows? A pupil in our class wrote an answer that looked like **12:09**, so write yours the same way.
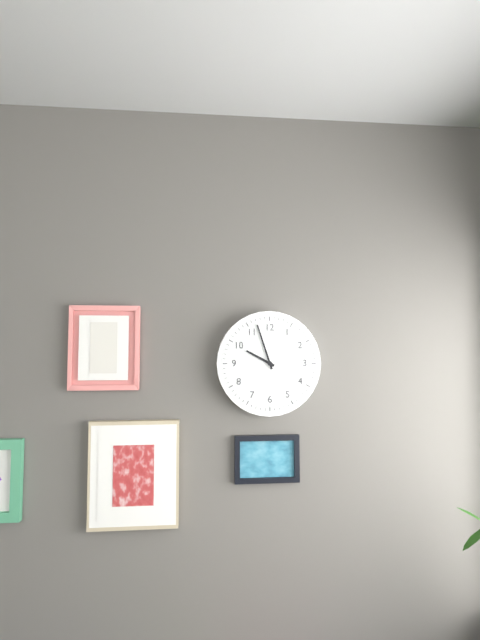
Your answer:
**9:57**
